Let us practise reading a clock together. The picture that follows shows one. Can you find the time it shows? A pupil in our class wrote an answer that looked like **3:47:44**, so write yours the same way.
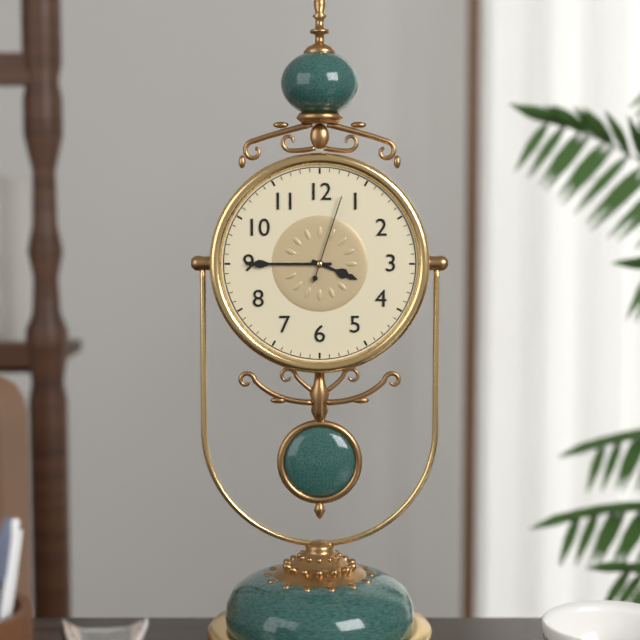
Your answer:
**3:45:03**
